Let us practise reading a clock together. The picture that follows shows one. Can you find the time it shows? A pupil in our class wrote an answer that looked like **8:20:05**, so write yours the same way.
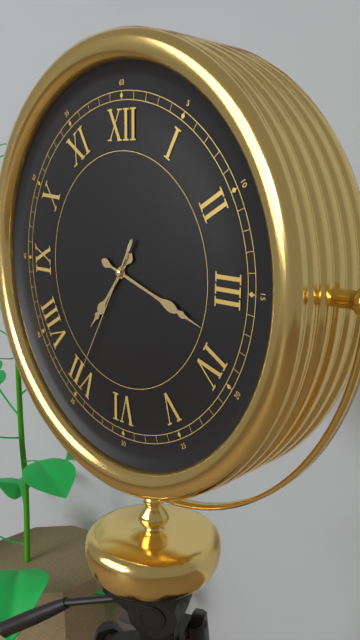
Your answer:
**7:18:35**
